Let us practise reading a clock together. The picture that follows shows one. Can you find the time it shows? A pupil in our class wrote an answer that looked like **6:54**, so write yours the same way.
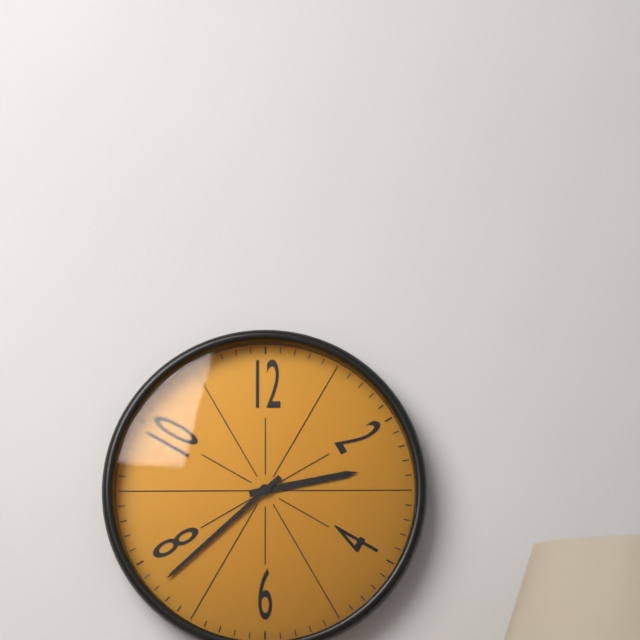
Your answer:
**2:38**
